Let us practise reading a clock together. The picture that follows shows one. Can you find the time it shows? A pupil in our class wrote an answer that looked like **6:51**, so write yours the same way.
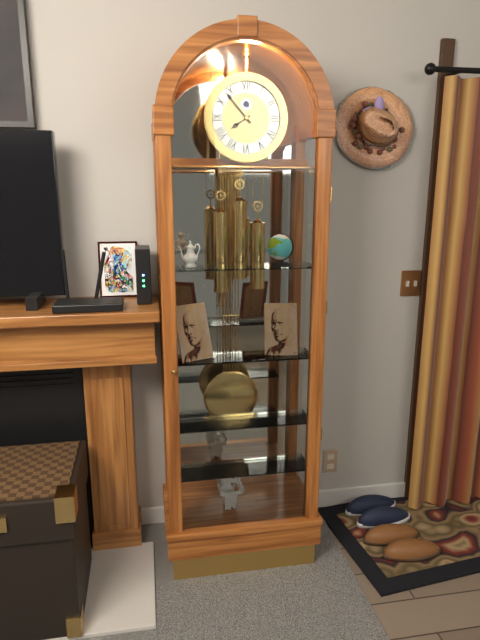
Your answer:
**7:53**
